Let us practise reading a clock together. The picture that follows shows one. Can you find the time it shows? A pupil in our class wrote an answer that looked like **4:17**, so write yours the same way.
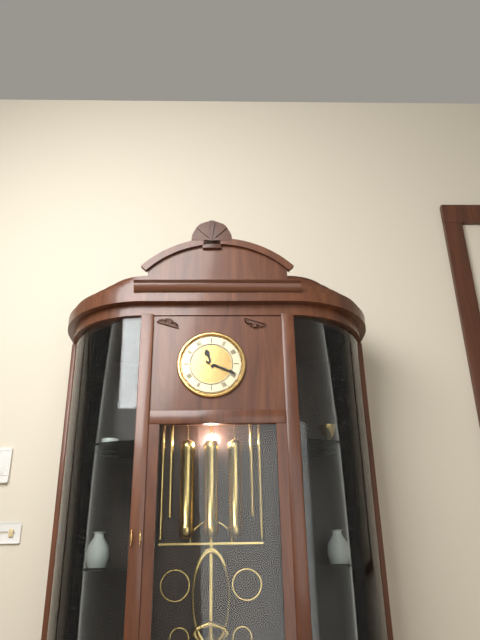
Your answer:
**11:19**
